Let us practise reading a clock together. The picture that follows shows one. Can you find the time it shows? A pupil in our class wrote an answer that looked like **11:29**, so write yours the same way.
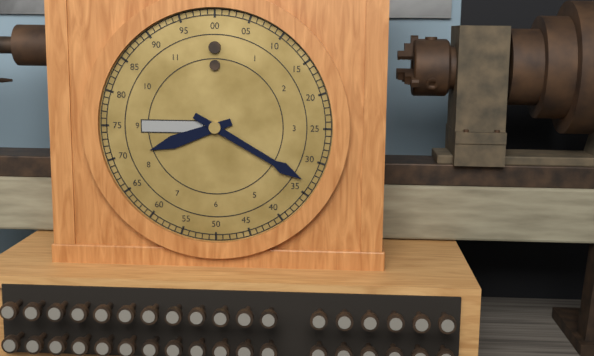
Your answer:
**8:20**
